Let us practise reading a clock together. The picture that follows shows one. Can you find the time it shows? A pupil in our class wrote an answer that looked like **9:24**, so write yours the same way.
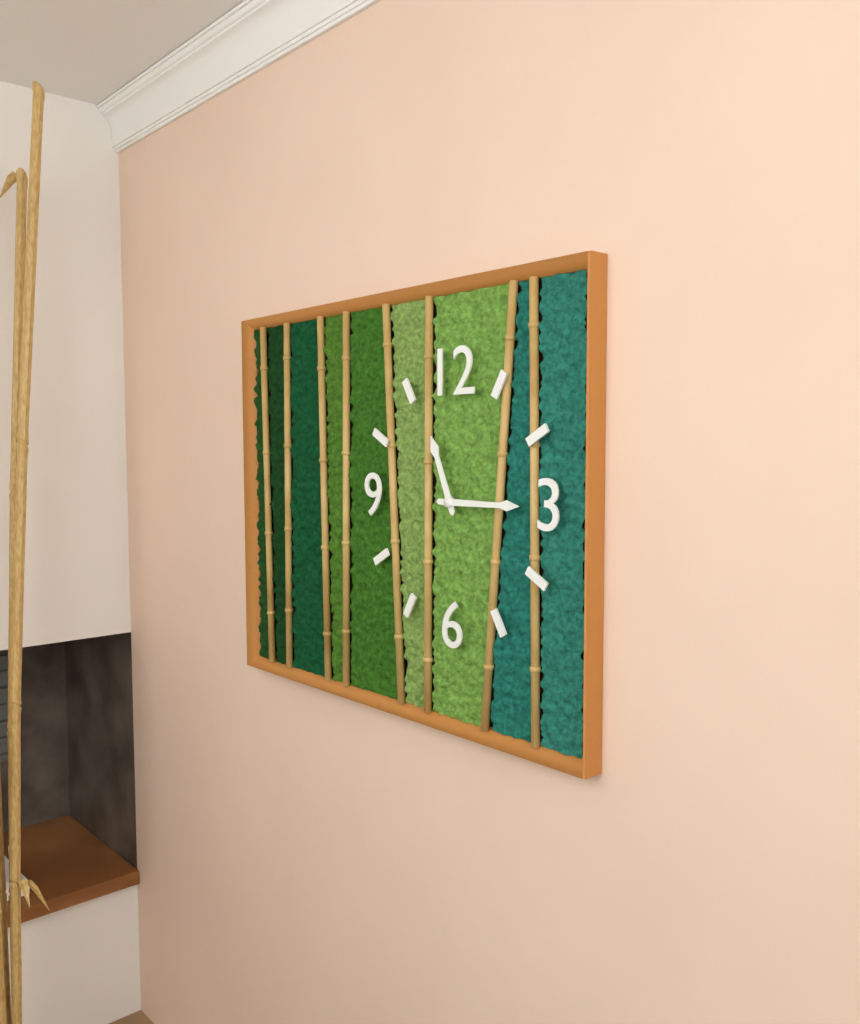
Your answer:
**11:15**
